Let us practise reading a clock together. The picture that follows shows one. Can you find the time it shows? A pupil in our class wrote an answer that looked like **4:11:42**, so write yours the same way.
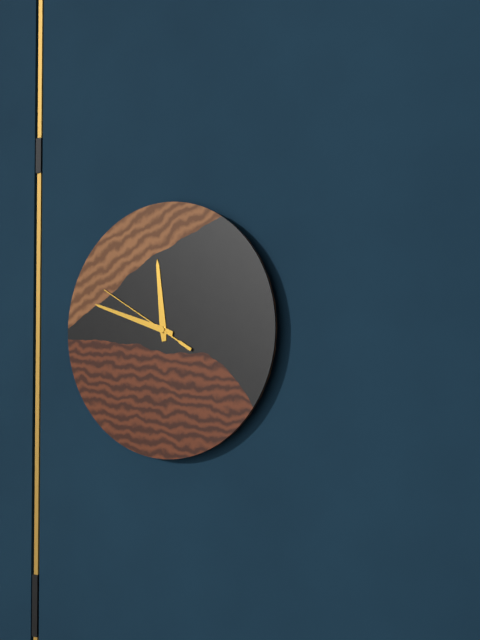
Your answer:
**11:48:50**
